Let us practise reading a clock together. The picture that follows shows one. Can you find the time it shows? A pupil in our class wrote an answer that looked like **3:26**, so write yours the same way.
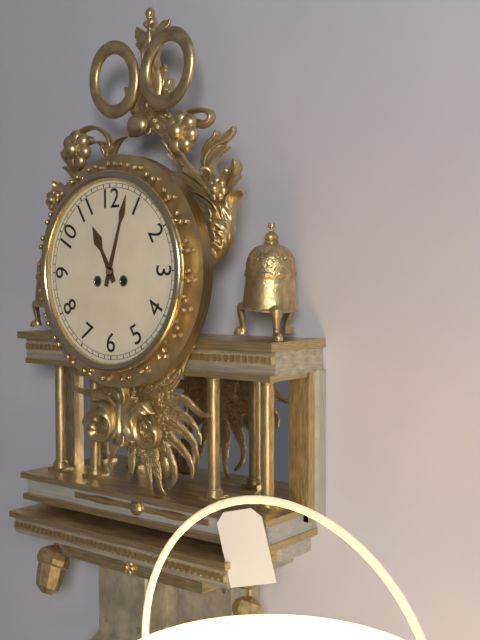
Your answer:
**11:03**
